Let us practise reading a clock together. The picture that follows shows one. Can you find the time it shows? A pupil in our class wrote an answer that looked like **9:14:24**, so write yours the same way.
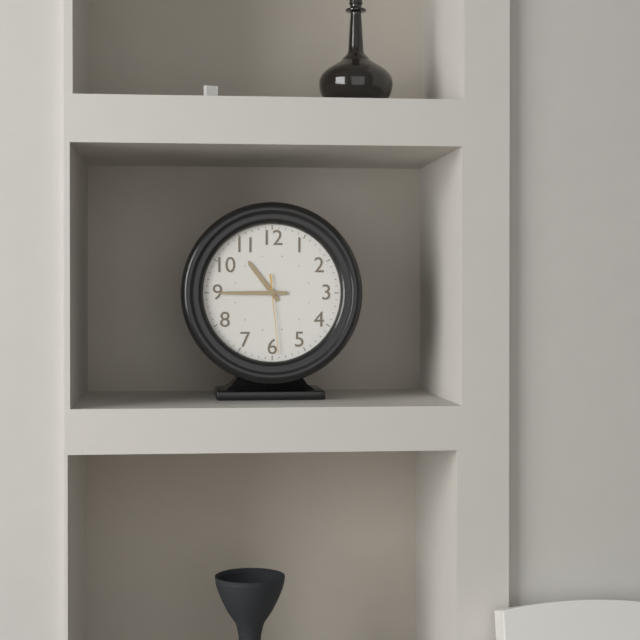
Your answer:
**10:45:29**
